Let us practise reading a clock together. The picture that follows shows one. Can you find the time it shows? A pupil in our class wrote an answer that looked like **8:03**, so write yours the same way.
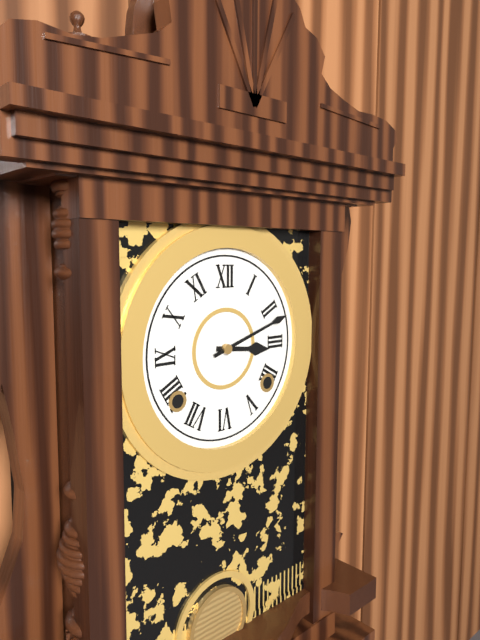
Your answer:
**3:12**
